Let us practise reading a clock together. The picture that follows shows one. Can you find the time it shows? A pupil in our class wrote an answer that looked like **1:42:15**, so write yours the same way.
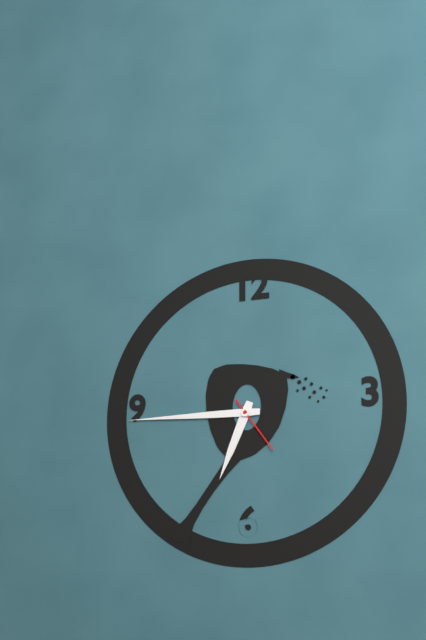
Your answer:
**6:45:24**
